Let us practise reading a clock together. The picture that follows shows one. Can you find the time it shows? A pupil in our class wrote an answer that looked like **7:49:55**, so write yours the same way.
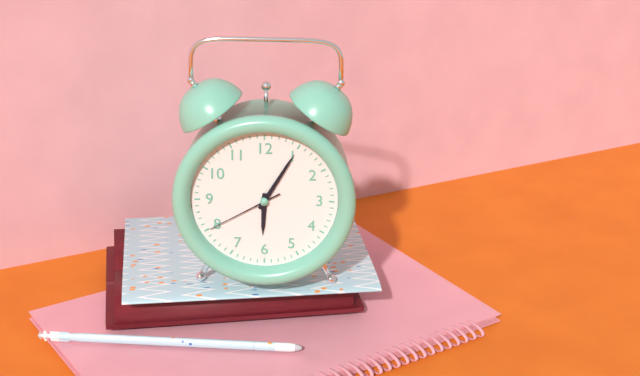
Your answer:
**6:05:40**
